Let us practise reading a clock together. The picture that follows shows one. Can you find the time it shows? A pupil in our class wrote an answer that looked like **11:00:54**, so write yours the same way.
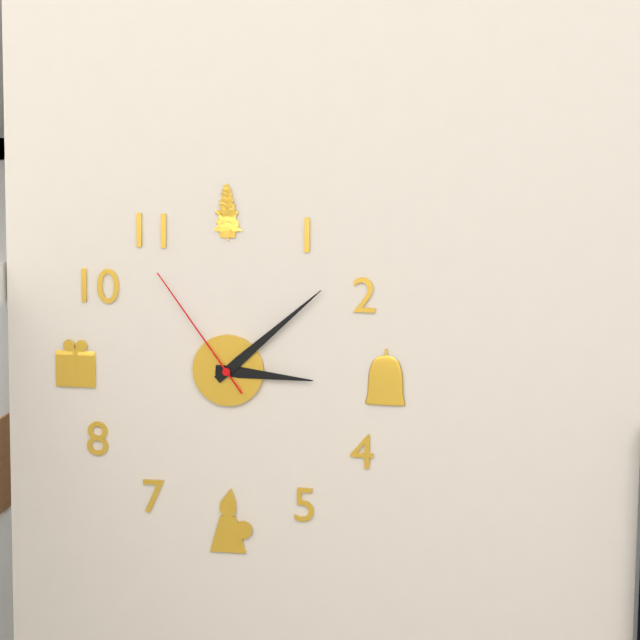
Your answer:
**3:08:54**
